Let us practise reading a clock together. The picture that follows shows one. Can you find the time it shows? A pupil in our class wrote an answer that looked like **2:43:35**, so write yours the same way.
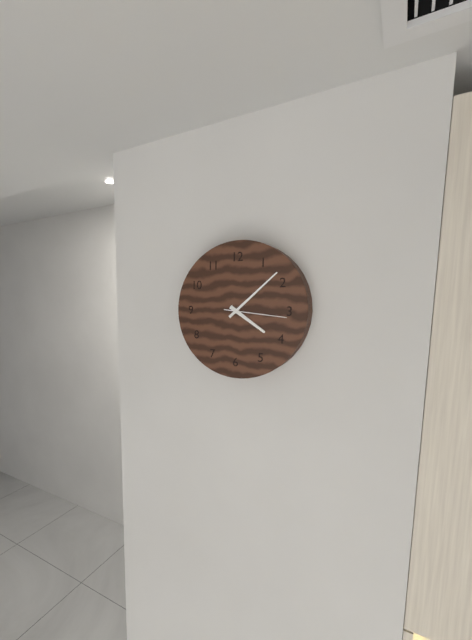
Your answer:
**4:08:16**
